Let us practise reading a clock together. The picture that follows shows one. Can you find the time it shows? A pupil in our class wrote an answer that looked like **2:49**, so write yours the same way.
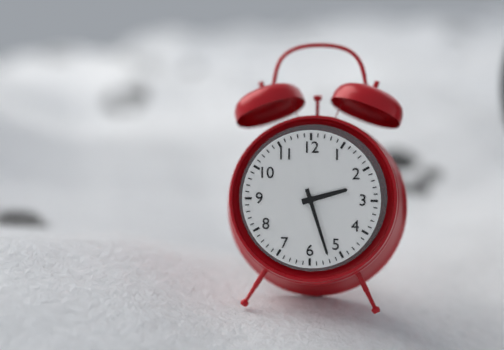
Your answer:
**2:27**
